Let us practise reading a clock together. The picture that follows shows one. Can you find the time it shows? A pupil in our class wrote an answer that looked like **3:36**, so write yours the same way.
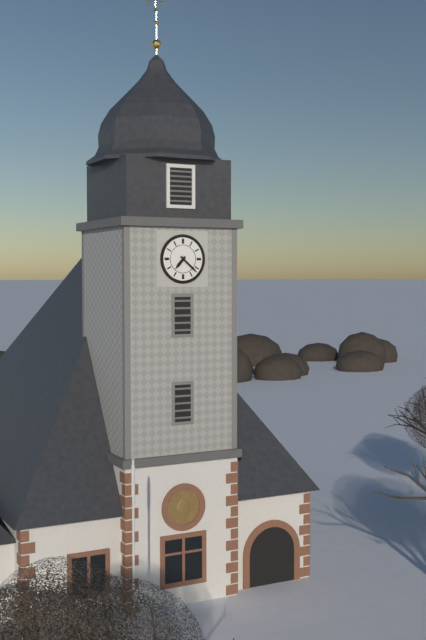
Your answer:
**7:22**
